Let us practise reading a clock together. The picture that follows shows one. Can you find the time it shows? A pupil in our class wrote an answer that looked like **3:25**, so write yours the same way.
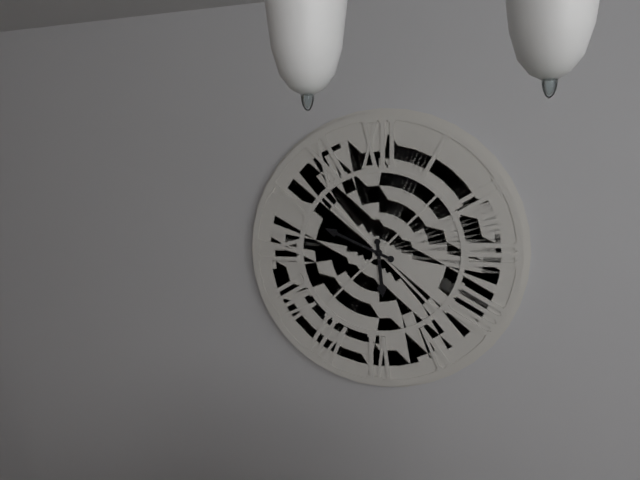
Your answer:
**5:49**
